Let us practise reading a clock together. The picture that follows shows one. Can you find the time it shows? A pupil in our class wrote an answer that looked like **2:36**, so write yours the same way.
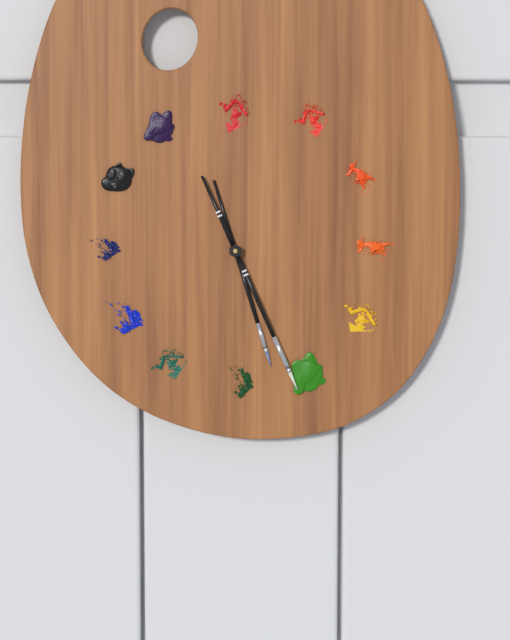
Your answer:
**5:26**
